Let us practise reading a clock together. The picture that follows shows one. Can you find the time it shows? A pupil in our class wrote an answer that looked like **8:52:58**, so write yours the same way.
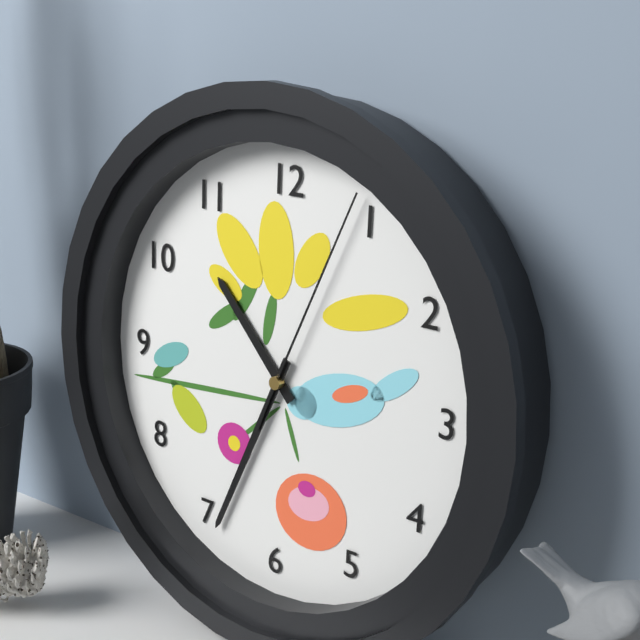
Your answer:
**10:34:04**
